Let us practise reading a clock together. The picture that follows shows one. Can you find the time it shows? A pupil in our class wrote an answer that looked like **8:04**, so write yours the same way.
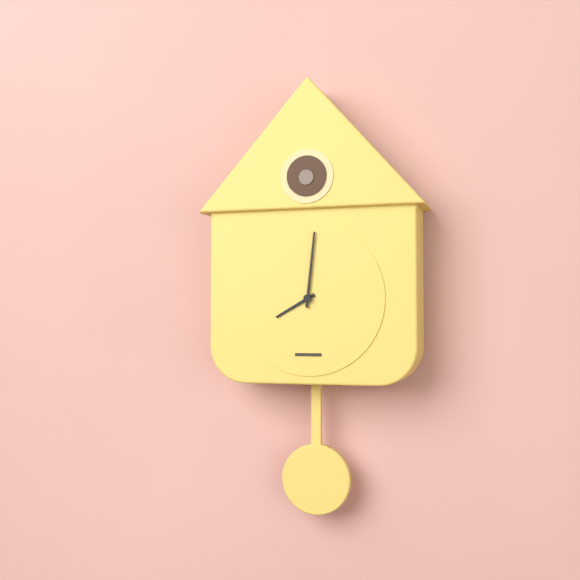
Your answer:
**8:01**
